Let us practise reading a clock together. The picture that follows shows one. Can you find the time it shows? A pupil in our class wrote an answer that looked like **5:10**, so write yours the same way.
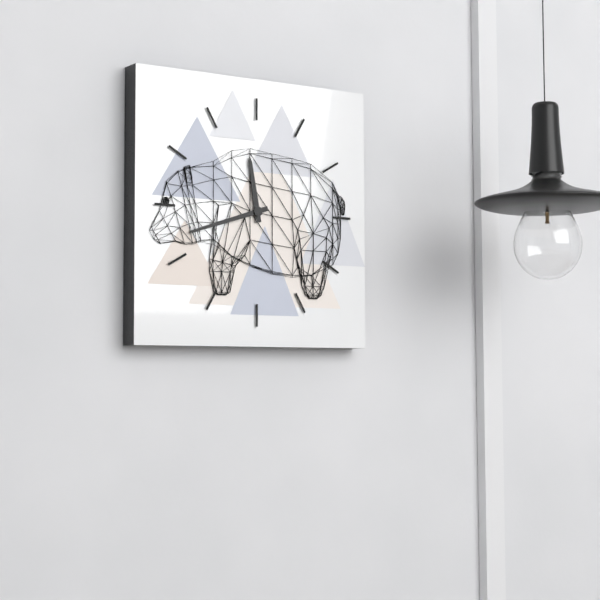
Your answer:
**11:42**
